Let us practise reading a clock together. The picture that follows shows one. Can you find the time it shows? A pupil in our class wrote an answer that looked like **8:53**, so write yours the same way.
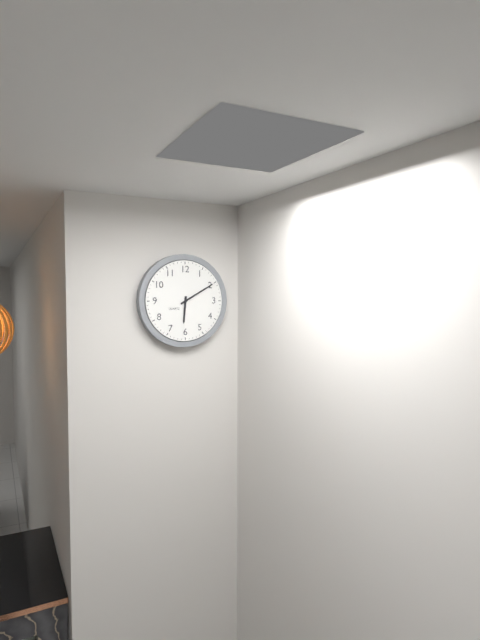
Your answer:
**6:10**
